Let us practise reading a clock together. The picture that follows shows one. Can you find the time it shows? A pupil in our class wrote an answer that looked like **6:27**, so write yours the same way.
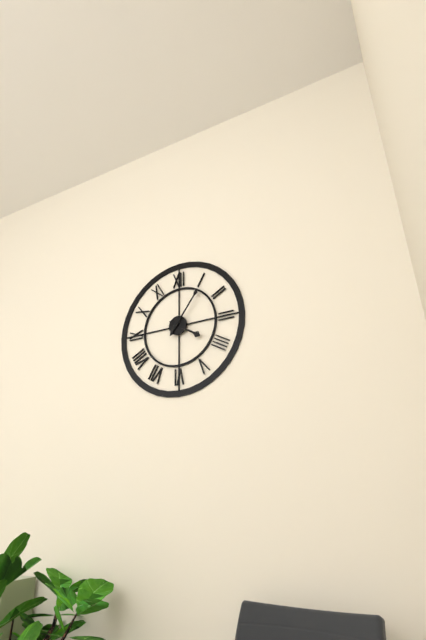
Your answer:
**4:06**
